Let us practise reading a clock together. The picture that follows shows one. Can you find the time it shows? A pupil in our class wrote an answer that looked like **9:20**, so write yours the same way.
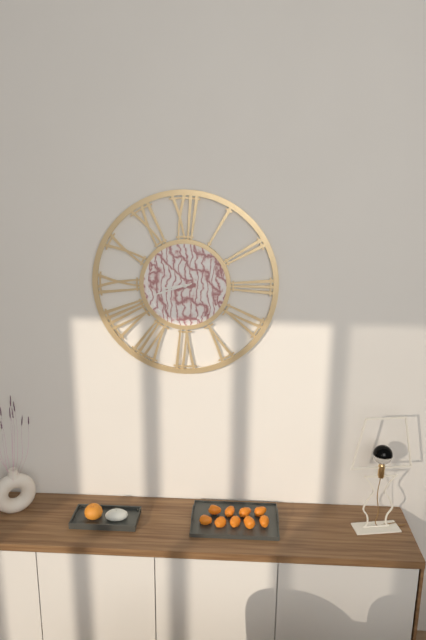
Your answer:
**8:42**
